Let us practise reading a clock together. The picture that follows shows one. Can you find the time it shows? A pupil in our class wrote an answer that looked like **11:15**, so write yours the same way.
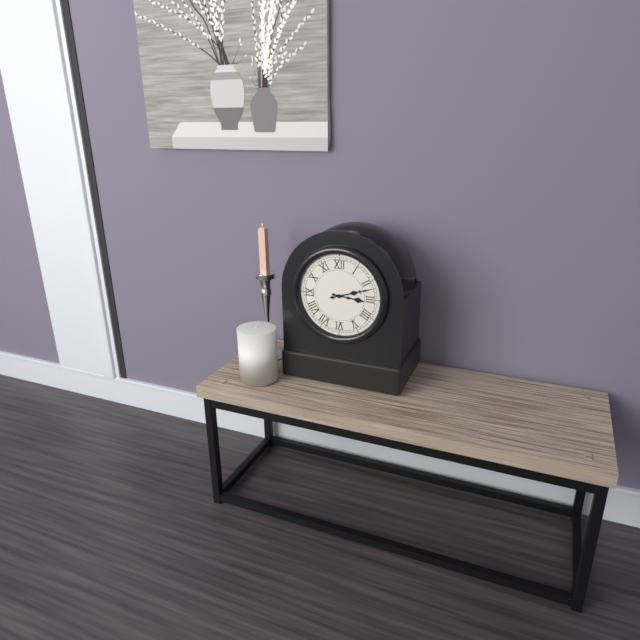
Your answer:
**3:12**
